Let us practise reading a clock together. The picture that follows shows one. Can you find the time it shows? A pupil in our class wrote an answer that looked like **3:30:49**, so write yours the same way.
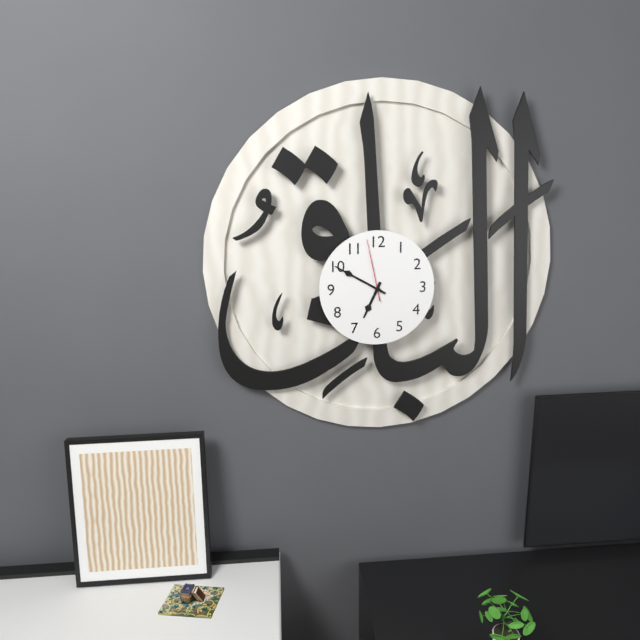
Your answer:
**6:50:58**
